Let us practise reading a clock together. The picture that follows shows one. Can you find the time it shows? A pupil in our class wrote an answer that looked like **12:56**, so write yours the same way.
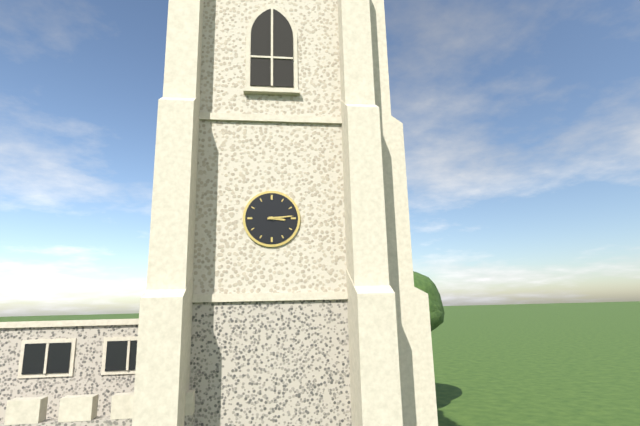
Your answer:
**3:14**
